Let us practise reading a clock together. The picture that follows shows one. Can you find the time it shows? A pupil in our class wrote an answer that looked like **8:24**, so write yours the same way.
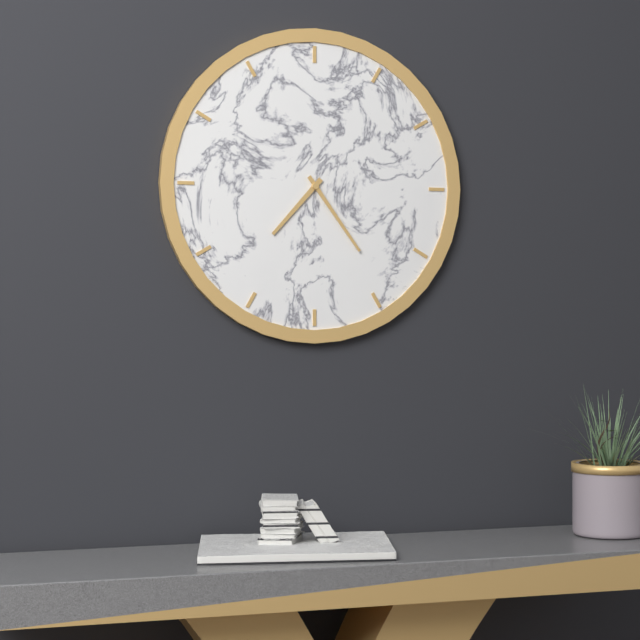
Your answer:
**7:24**
